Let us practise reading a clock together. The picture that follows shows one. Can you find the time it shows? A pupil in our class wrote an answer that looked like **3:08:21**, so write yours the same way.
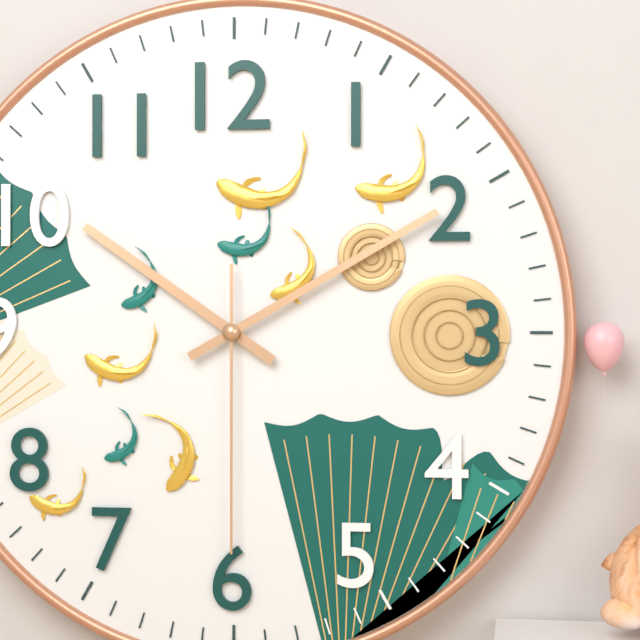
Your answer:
**10:10:30**
